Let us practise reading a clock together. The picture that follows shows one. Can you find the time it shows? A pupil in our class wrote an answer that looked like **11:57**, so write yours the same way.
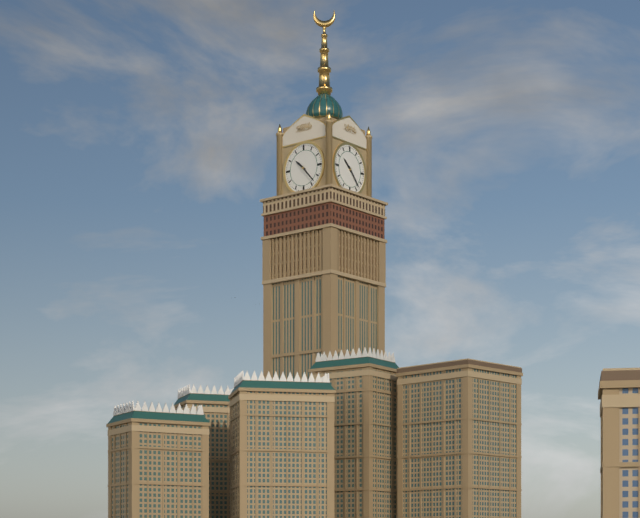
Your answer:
**10:23**
